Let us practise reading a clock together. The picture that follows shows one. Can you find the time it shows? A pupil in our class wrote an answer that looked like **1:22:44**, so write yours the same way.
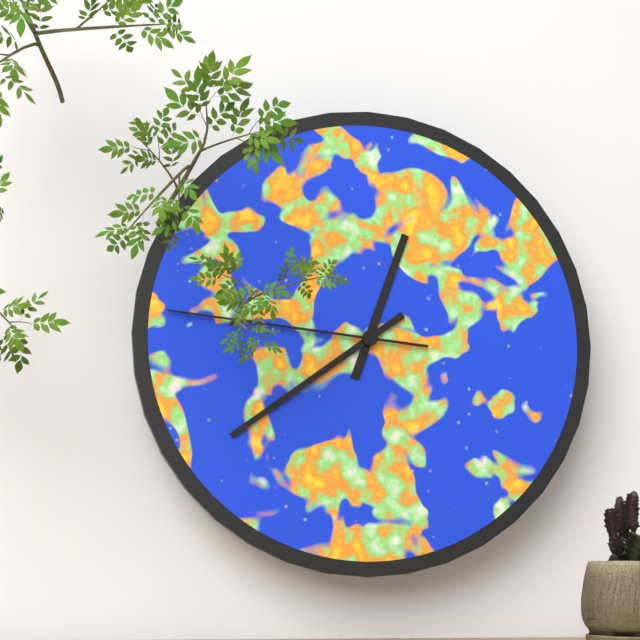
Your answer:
**12:39:46**
